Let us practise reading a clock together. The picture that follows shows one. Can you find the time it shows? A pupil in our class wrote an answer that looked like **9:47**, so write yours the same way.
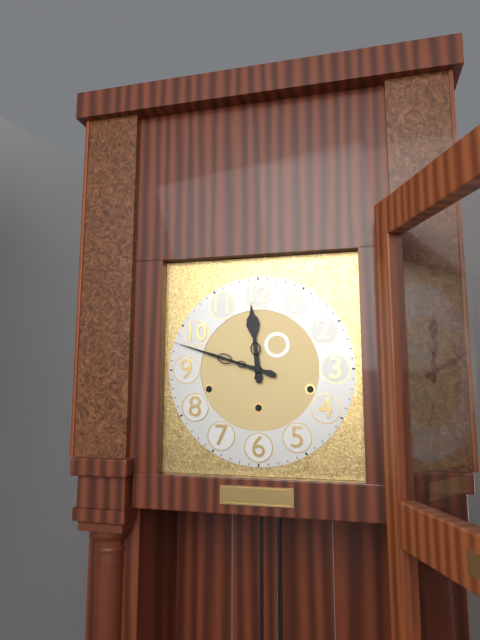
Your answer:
**11:48**
